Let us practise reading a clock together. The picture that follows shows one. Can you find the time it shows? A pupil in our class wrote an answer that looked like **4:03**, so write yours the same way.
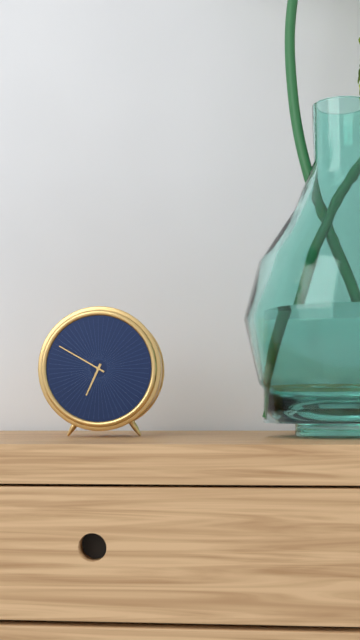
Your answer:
**6:50**
